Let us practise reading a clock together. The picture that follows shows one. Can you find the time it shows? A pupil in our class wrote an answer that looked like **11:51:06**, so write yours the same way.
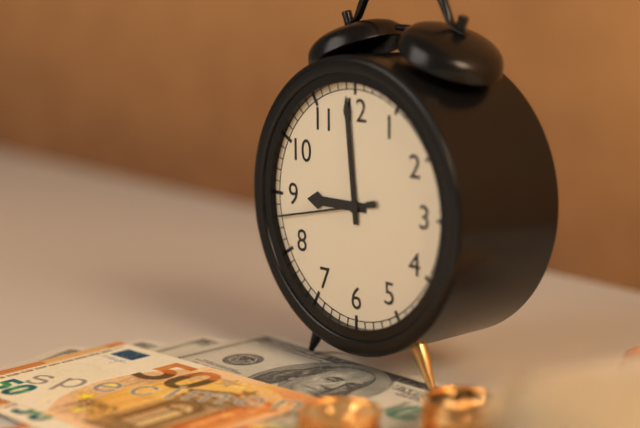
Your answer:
**8:59:43**
